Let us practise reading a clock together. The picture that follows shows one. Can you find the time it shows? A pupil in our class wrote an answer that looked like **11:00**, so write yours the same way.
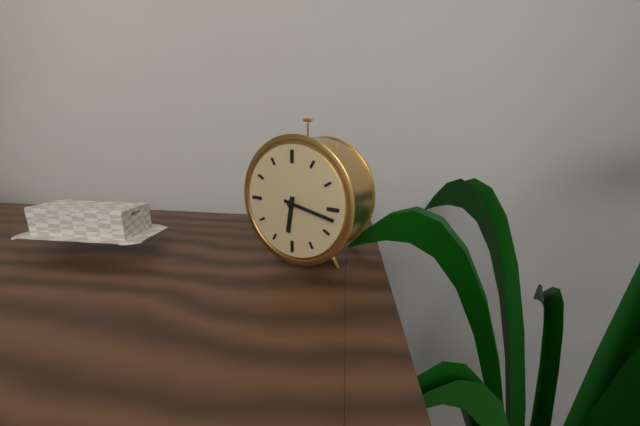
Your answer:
**6:17**
